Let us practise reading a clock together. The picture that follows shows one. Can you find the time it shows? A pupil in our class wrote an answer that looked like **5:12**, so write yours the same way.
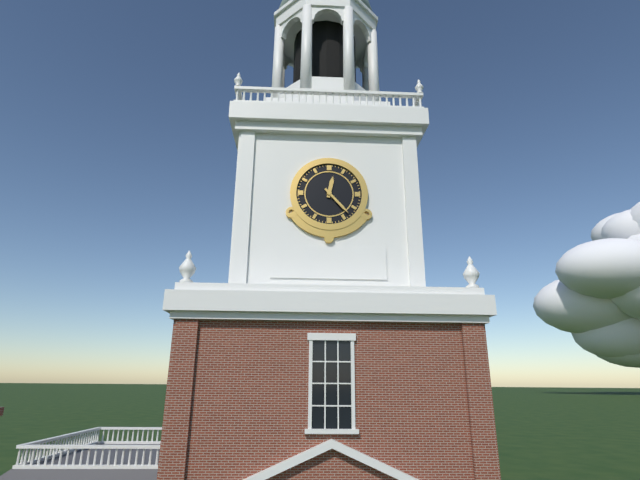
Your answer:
**12:23**
